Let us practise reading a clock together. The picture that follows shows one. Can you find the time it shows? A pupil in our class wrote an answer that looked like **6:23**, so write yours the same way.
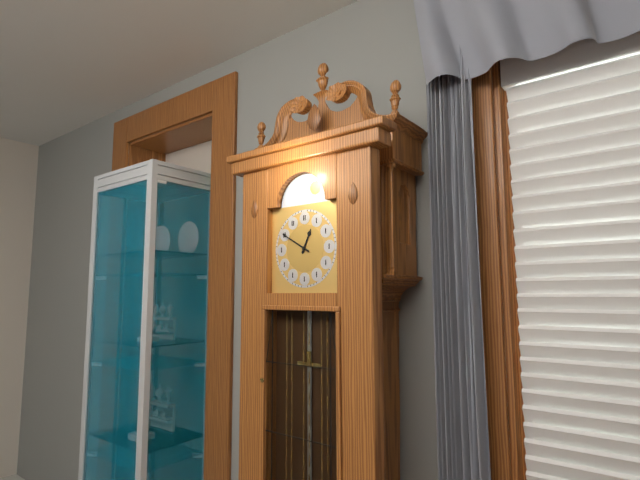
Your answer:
**12:50**
